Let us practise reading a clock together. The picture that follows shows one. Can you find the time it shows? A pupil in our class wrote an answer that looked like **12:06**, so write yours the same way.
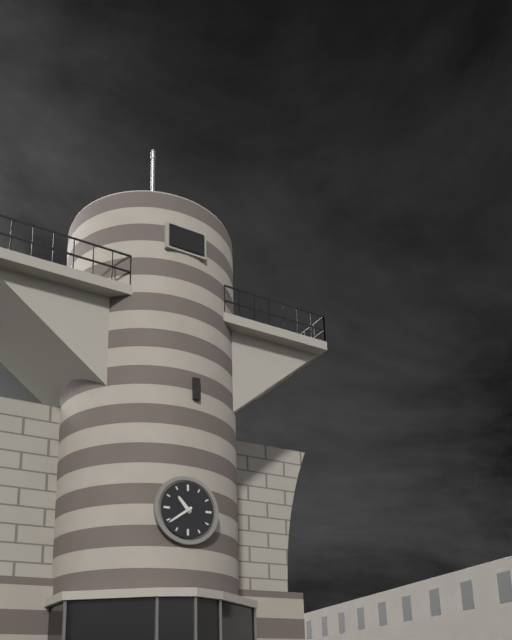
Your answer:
**10:39**
